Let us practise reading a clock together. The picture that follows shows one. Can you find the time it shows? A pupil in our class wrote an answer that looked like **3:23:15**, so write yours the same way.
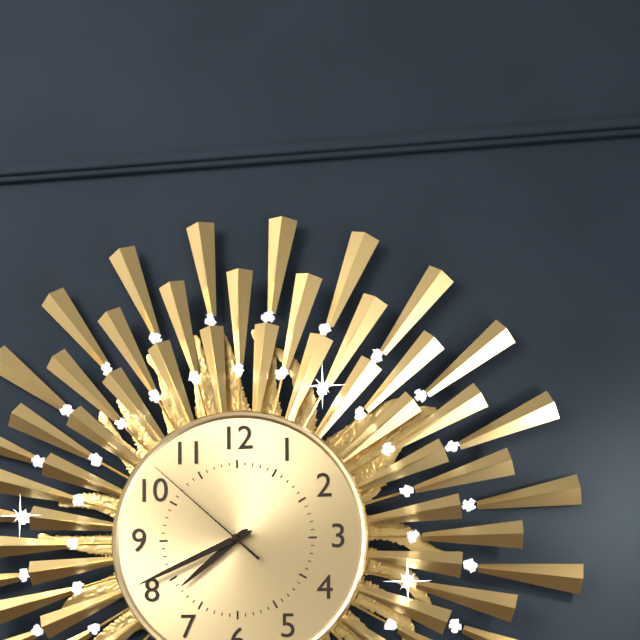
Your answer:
**7:41:52**
